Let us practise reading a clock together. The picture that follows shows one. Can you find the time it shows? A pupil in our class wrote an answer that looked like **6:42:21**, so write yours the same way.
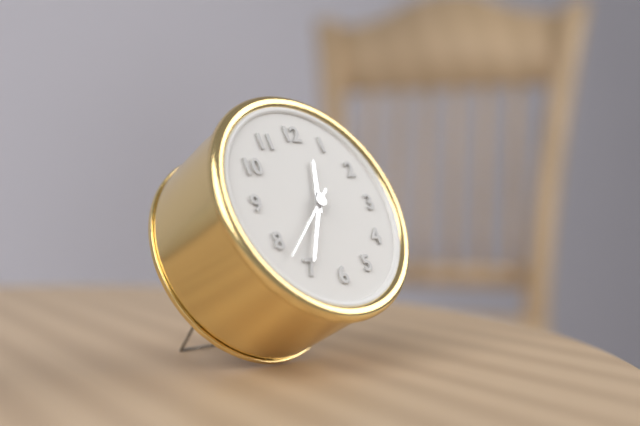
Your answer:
**12:35:38**
